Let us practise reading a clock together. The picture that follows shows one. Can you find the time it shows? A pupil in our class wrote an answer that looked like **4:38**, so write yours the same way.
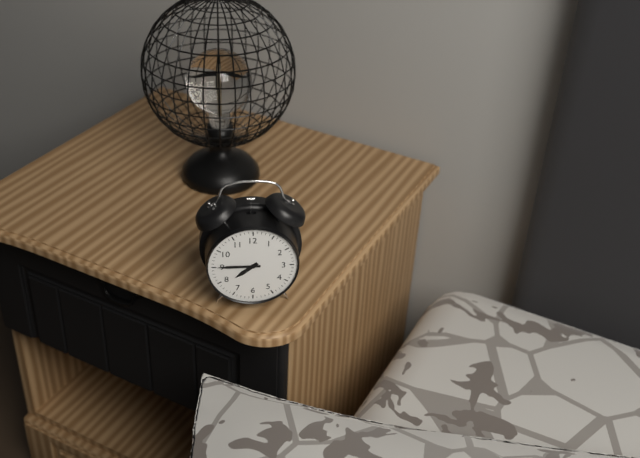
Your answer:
**7:45**
